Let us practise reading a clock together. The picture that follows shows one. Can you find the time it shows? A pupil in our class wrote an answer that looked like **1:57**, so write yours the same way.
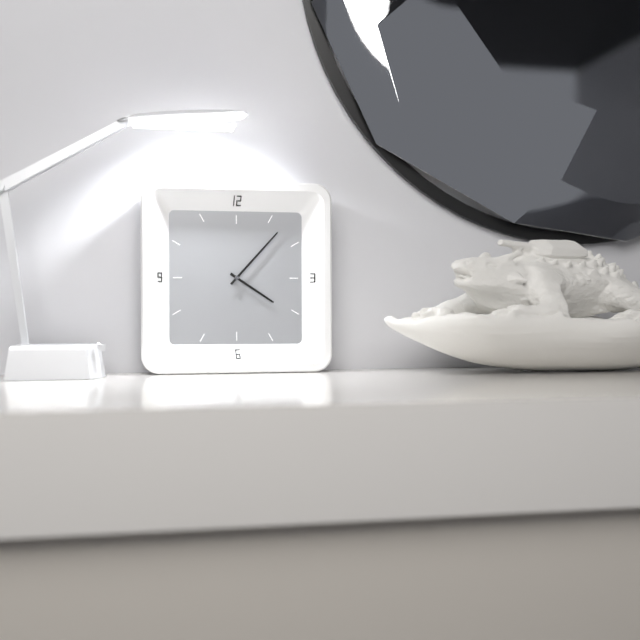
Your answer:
**4:07**
